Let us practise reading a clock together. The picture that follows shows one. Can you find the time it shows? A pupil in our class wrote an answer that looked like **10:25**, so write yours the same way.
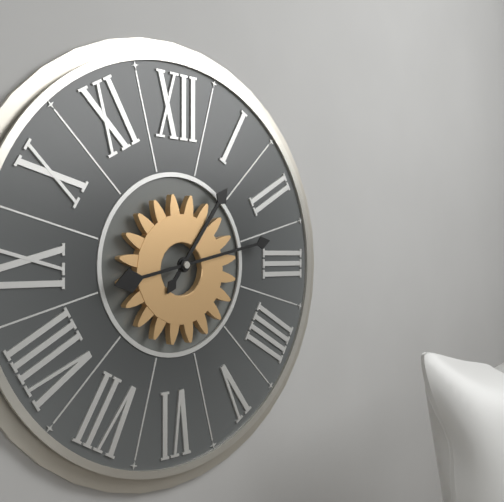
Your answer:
**1:13**
